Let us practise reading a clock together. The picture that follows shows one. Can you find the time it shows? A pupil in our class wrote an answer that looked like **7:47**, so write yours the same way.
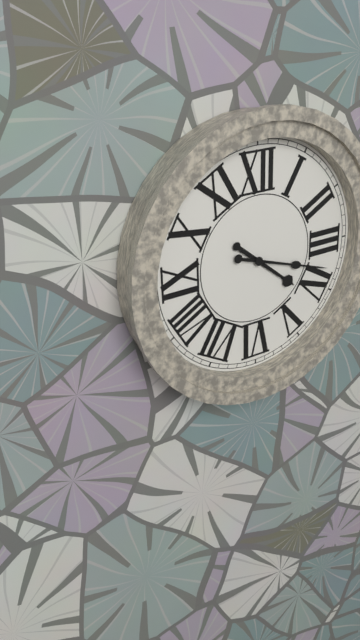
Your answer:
**4:18**
